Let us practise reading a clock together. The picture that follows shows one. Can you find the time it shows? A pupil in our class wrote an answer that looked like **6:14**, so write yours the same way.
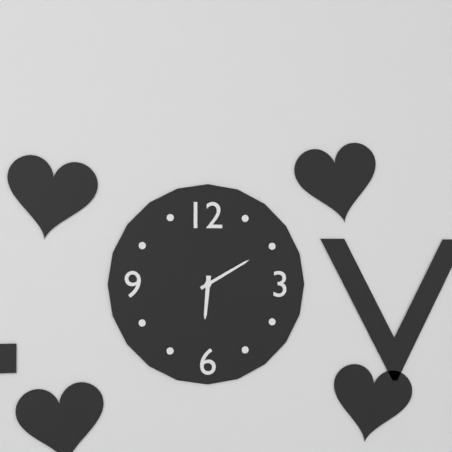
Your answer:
**6:10**
